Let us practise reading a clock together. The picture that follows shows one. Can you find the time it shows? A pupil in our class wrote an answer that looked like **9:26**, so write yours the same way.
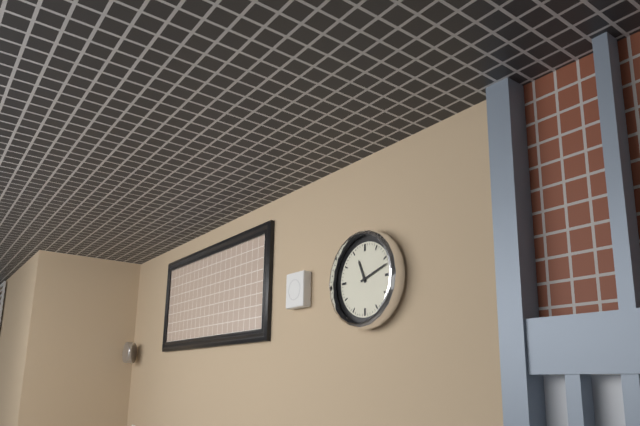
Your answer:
**11:12**
